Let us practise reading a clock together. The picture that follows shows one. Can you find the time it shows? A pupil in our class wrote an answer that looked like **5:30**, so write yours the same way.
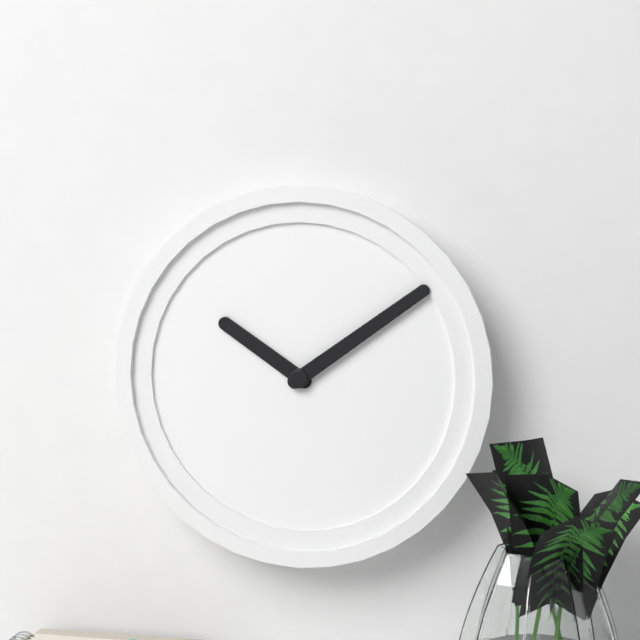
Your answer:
**10:09**
